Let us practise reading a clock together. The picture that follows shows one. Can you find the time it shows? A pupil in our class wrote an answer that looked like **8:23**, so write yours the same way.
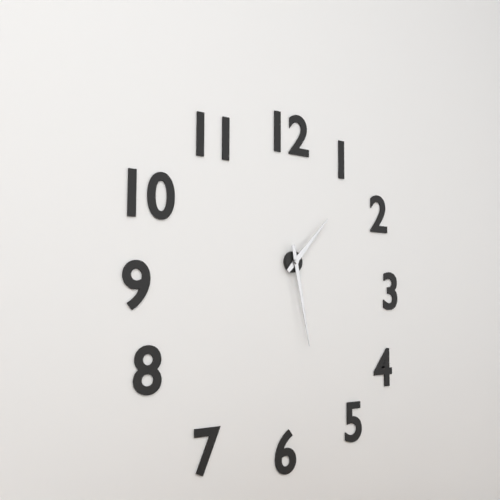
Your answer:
**1:28**
